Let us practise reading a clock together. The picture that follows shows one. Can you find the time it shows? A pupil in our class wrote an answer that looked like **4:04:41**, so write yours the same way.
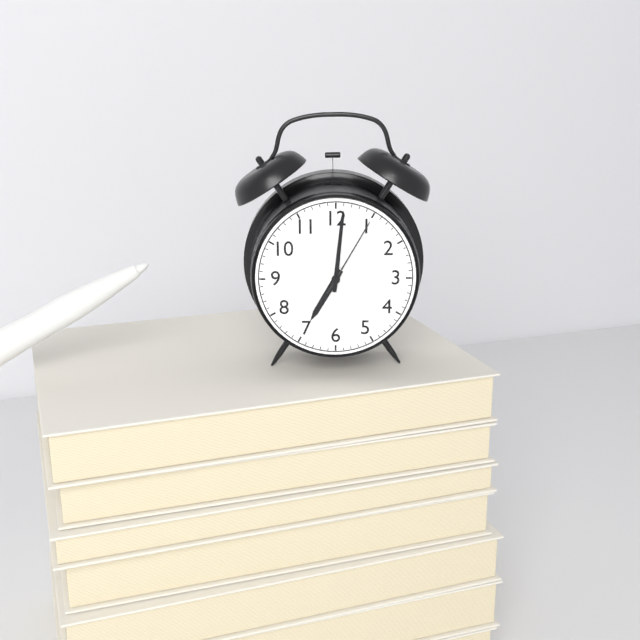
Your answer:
**7:01:05**
